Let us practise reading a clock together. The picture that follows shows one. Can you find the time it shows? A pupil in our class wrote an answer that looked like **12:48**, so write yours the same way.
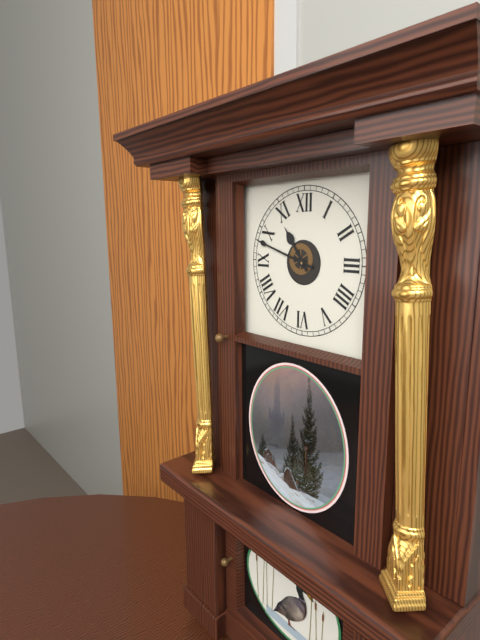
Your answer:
**10:48**
